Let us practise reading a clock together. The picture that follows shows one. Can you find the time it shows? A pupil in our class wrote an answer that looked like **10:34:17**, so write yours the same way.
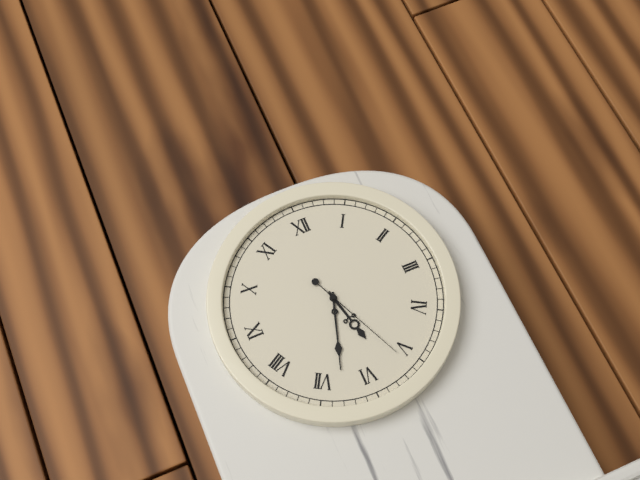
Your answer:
**5:33:26**
